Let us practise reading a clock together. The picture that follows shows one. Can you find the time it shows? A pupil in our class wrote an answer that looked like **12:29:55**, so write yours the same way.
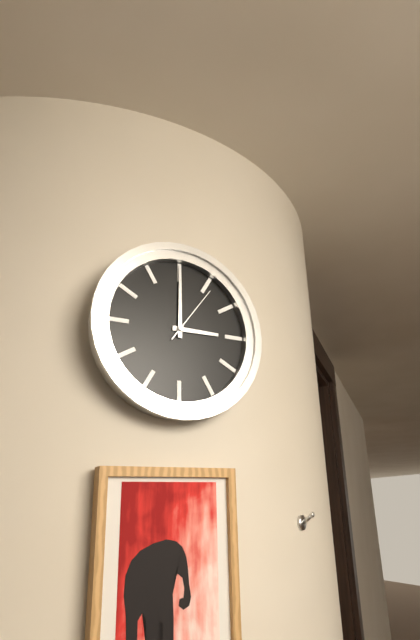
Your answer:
**3:00:06**
